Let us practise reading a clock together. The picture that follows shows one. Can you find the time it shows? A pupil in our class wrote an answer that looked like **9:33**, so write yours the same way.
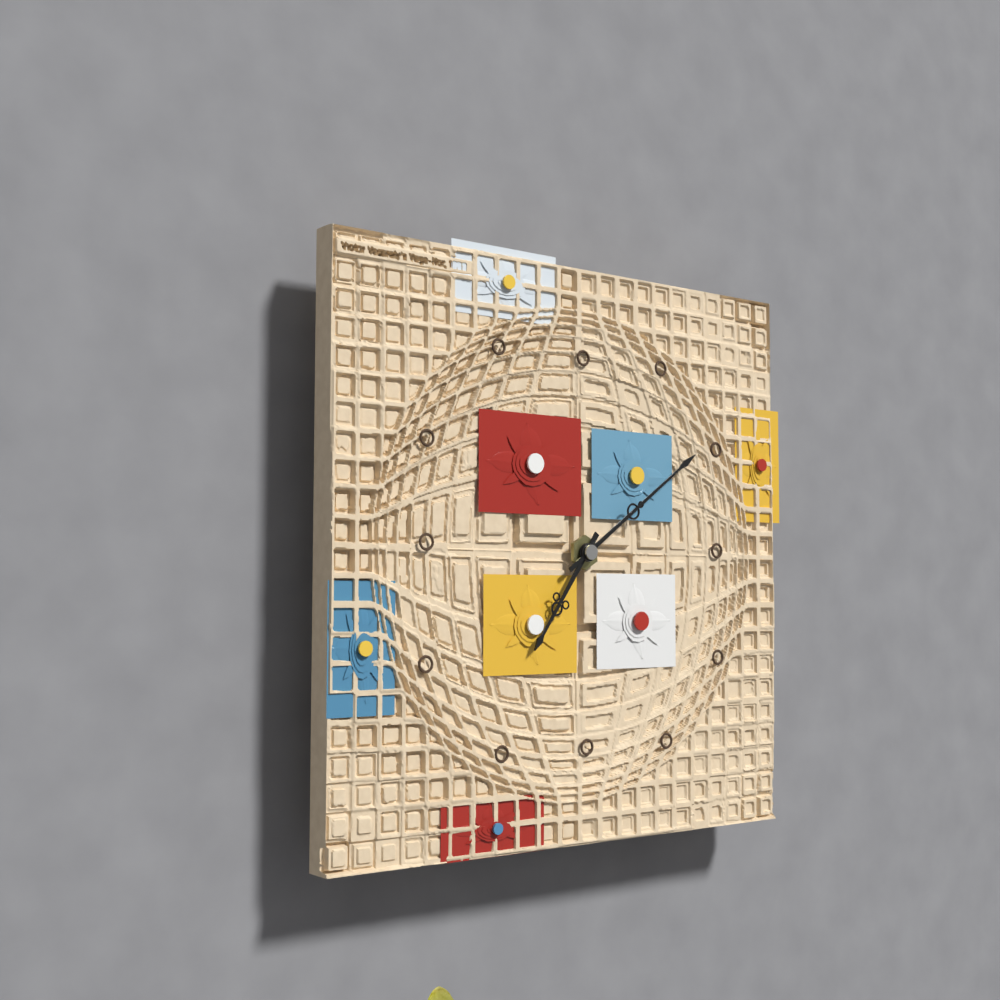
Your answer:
**7:09**
